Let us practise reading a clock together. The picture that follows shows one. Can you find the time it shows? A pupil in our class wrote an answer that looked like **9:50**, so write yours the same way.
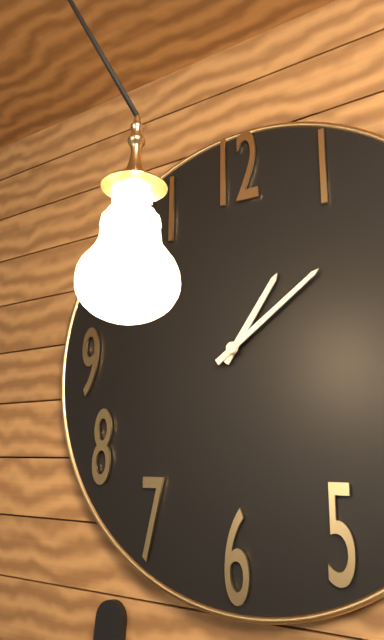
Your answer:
**1:09**
